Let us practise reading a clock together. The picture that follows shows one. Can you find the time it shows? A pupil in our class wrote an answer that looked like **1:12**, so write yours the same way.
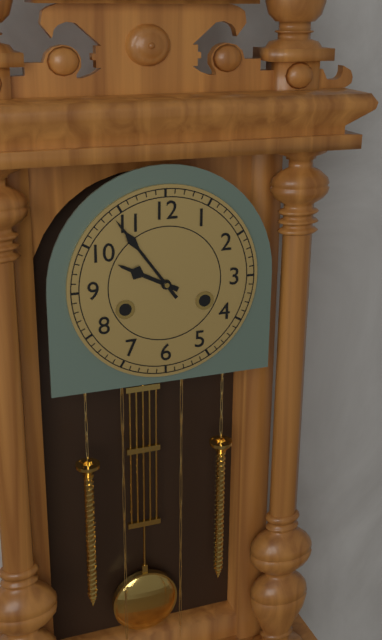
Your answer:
**9:54**
